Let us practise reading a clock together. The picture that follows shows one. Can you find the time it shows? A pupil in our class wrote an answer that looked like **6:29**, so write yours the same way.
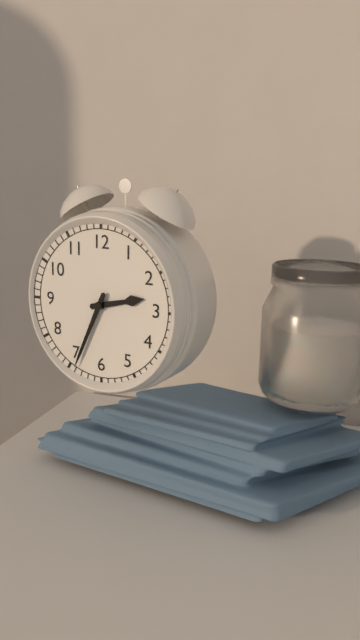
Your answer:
**2:34**
